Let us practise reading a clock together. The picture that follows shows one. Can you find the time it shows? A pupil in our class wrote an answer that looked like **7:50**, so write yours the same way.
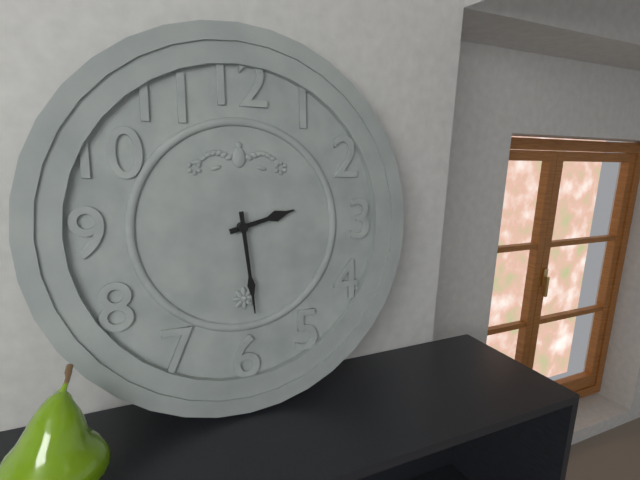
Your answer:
**2:29**
